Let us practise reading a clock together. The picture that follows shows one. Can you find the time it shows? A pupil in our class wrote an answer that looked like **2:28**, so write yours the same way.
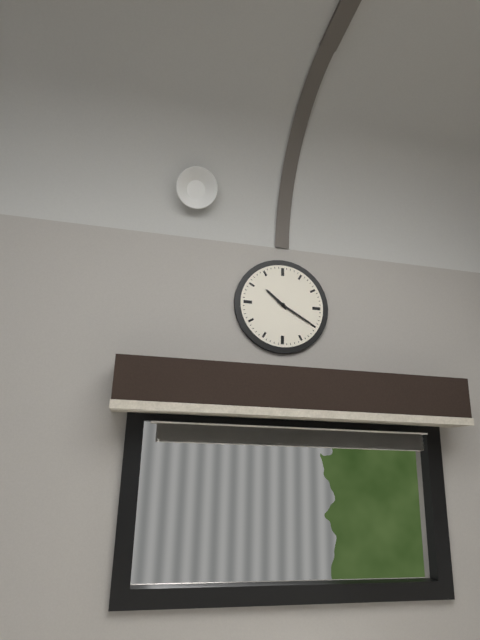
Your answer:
**10:20**
